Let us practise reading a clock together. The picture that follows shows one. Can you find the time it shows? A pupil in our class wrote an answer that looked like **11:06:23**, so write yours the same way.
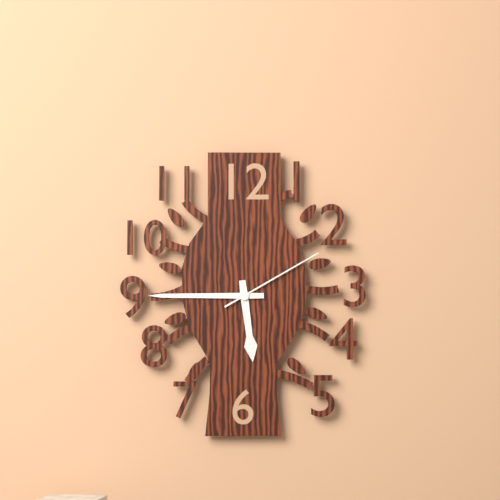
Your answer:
**5:45:10**
